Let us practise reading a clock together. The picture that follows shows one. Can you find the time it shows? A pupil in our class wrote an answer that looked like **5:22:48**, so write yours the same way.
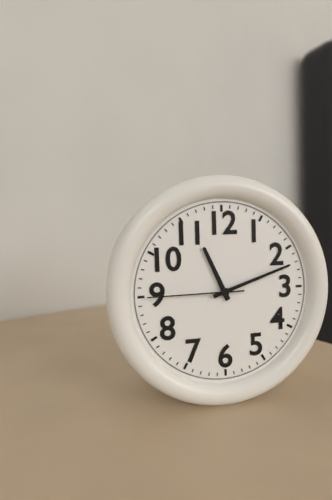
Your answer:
**11:12:45**
